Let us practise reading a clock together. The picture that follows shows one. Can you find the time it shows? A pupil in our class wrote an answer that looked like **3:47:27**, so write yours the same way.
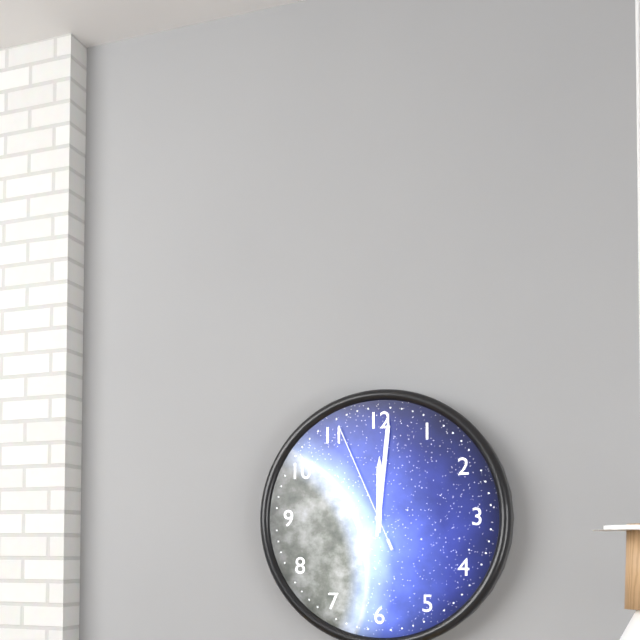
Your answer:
**12:01:56**
